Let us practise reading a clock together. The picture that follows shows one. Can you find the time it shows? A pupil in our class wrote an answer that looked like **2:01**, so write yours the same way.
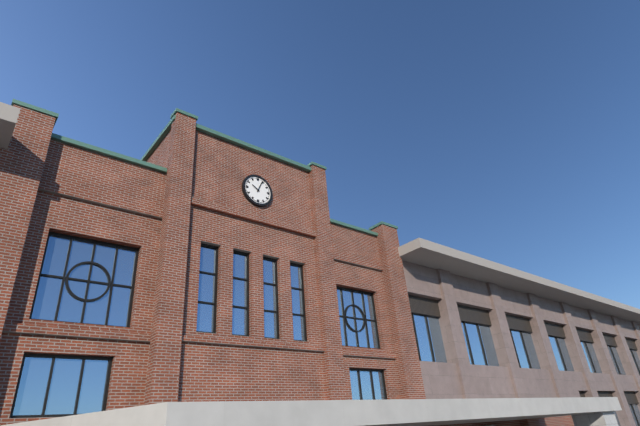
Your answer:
**10:04**
